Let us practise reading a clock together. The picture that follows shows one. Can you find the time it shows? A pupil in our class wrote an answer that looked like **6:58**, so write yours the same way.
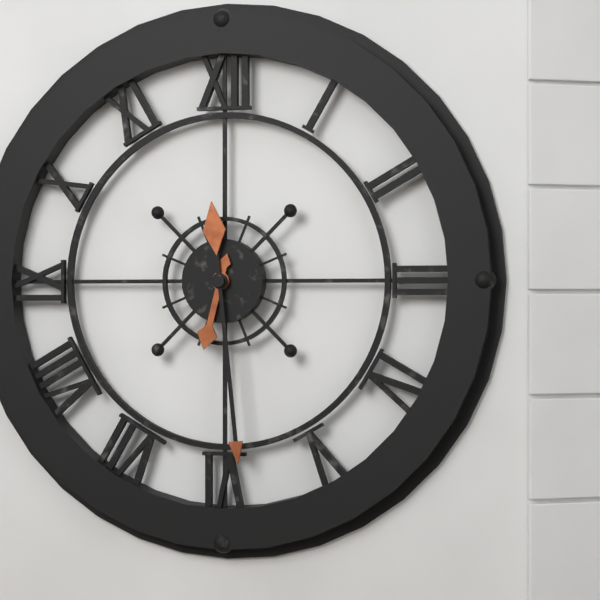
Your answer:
**6:29**
